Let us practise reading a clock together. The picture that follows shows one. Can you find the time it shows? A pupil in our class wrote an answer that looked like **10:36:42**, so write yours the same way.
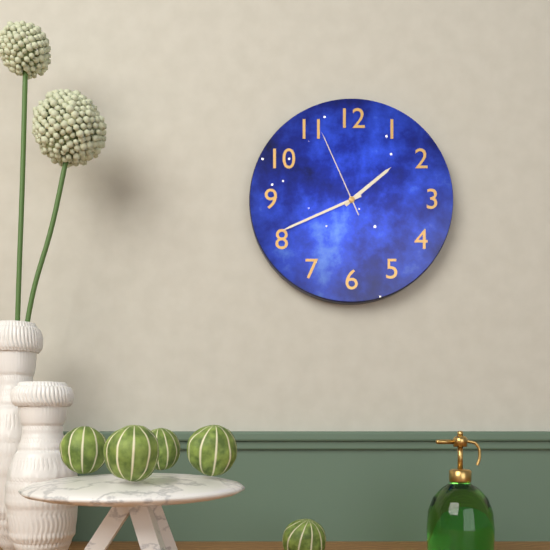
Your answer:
**1:41:56**
